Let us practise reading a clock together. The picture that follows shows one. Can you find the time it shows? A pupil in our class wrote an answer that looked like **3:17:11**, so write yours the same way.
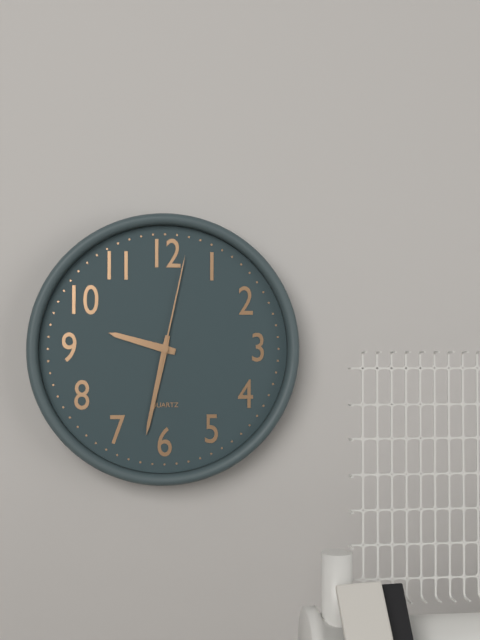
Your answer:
**9:32:02**
